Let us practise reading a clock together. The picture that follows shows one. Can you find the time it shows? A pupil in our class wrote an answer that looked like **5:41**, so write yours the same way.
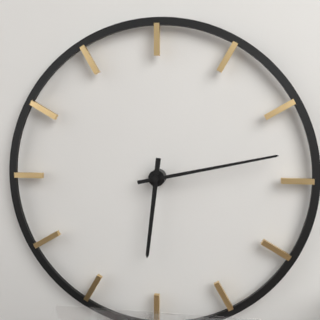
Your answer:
**6:13**
